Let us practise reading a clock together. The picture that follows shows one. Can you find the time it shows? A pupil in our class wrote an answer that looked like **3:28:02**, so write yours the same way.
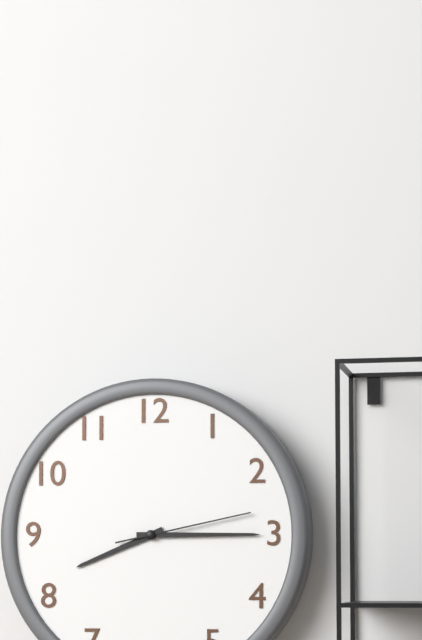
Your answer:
**8:15:13**
